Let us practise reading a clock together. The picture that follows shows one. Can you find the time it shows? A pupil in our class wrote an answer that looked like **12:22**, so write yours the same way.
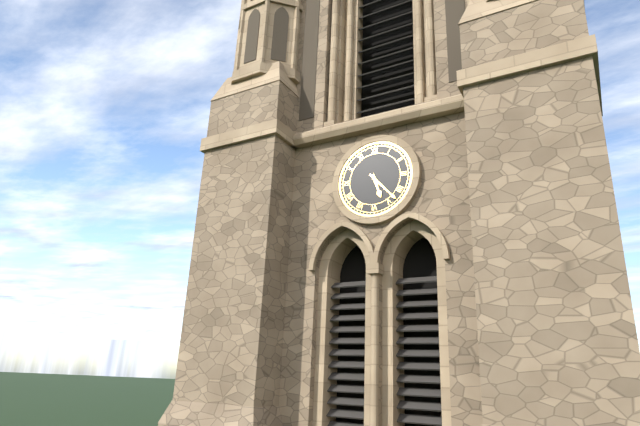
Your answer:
**5:23**
